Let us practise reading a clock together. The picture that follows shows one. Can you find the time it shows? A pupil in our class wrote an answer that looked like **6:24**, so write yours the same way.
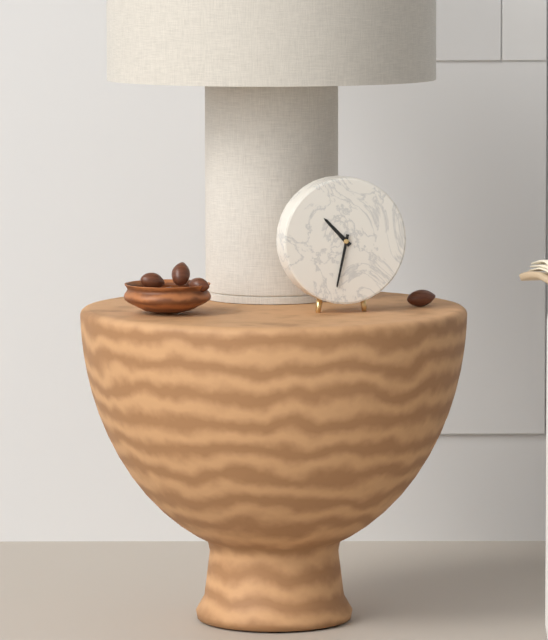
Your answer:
**10:32**
